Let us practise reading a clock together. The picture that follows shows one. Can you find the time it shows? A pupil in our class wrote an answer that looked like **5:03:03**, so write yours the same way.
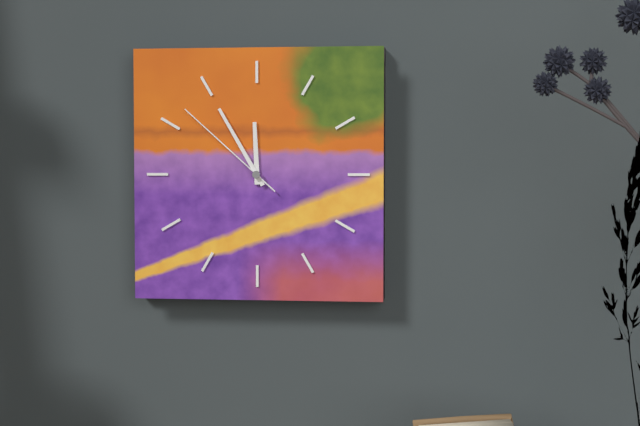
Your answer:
**11:55:52**
